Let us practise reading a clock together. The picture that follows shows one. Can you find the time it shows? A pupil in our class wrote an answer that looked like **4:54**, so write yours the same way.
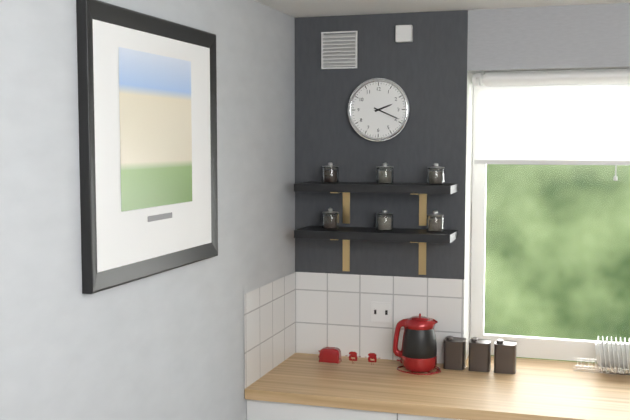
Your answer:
**2:19**
